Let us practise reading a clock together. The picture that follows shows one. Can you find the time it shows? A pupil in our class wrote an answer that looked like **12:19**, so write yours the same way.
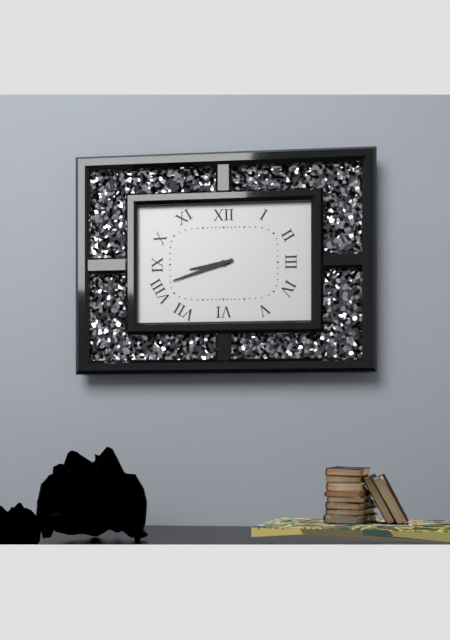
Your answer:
**8:42**
